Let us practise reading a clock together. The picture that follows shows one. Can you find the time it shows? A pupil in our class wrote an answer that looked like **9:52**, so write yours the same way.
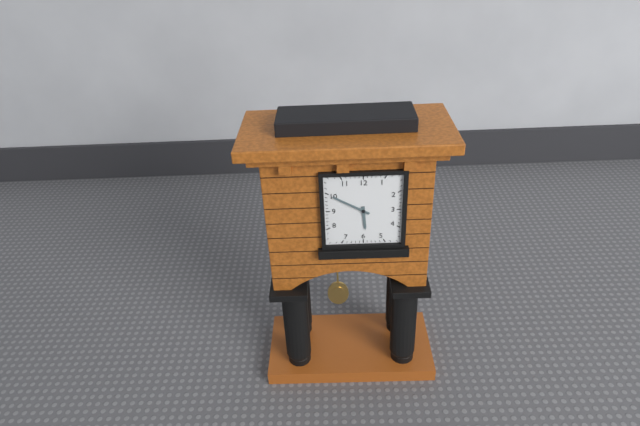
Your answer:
**5:50**
